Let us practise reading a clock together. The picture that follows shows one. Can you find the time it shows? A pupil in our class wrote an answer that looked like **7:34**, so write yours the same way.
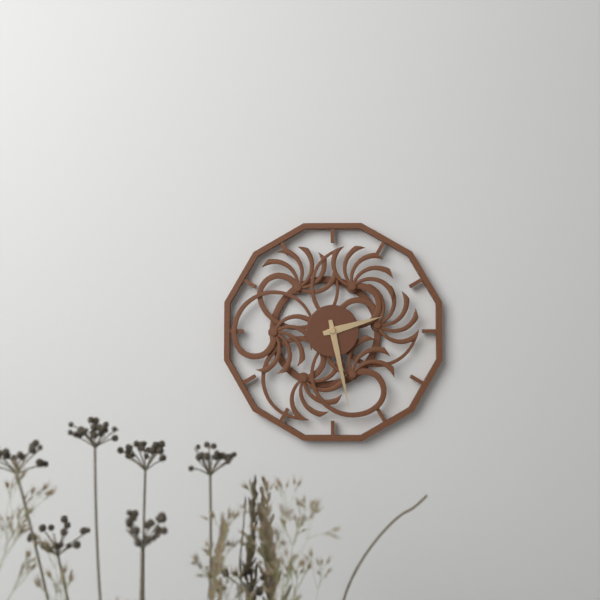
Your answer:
**2:28**
